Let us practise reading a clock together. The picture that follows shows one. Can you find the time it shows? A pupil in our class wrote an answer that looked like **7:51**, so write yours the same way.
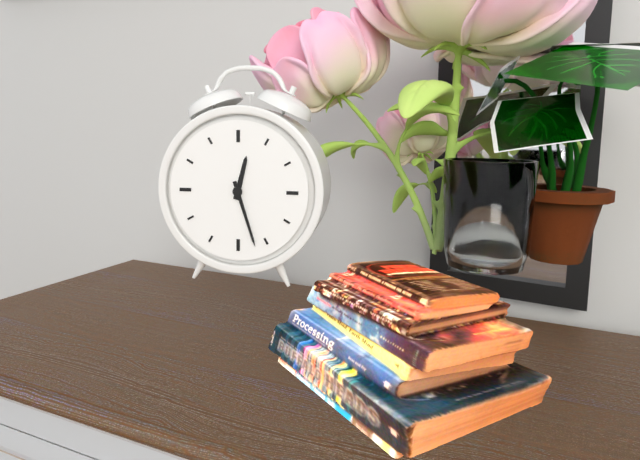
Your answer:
**12:27**
